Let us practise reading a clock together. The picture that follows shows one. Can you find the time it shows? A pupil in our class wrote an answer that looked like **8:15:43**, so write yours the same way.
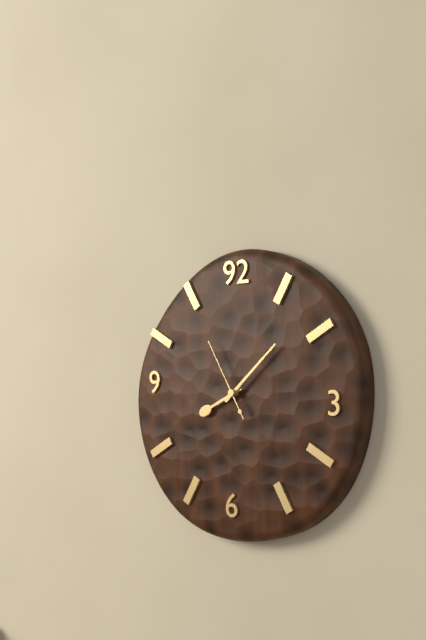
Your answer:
**8:08:55**
